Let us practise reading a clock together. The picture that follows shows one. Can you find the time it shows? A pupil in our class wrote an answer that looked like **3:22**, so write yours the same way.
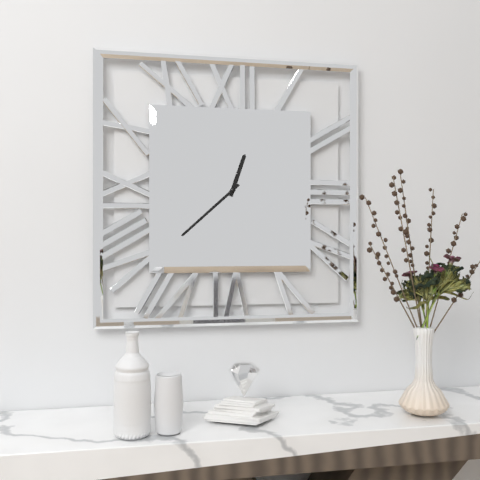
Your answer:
**12:38**
